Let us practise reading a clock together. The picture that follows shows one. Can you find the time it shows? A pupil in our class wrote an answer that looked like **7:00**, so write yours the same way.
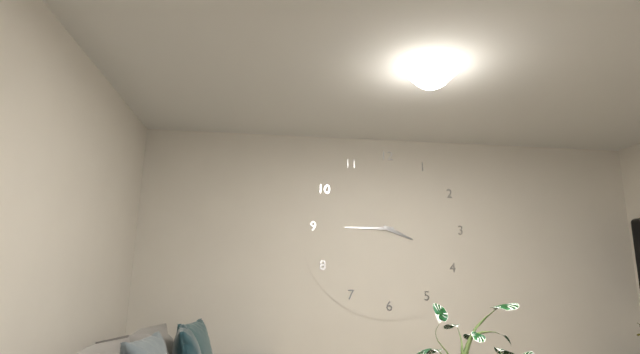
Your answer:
**3:45**
